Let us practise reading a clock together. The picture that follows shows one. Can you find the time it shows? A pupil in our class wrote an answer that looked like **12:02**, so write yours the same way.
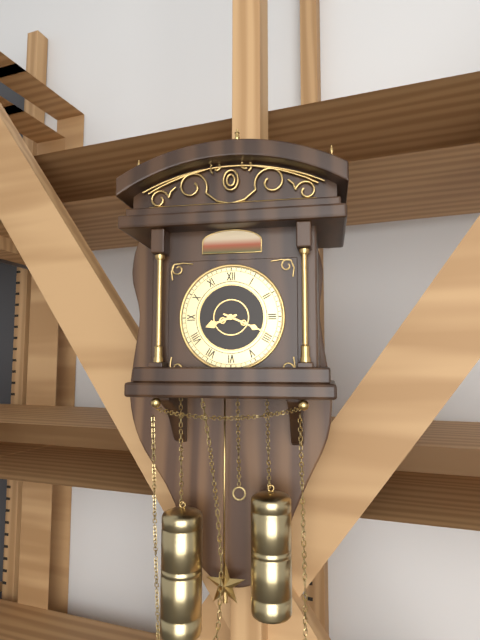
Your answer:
**8:19**
